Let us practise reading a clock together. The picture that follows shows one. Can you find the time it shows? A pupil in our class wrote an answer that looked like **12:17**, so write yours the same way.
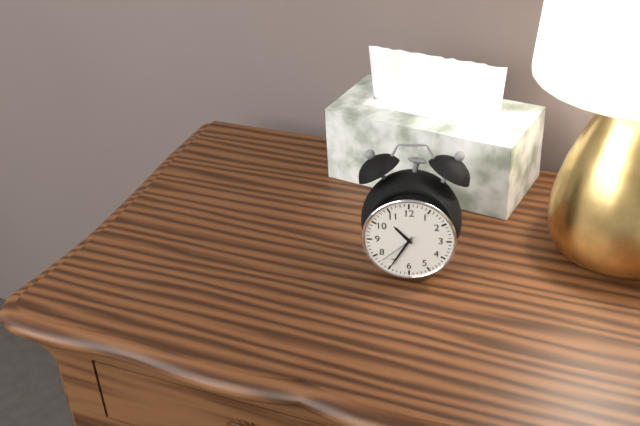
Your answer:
**10:35**
